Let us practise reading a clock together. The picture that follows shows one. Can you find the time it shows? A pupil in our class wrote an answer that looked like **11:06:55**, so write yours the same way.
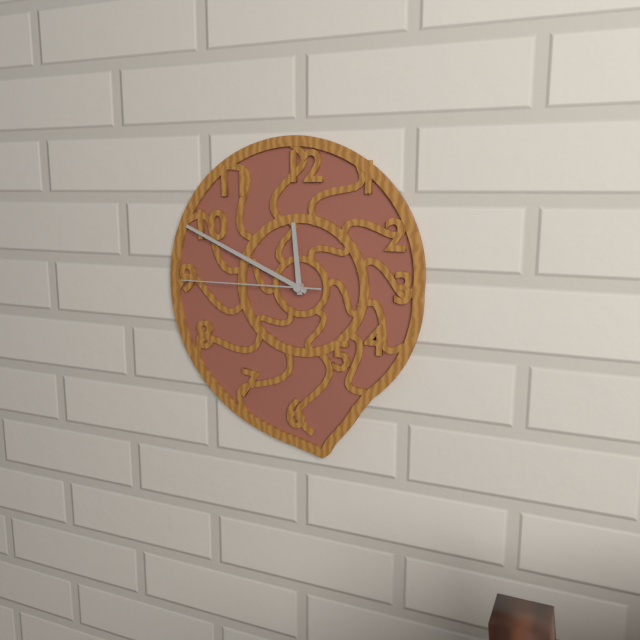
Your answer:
**11:49:45**
